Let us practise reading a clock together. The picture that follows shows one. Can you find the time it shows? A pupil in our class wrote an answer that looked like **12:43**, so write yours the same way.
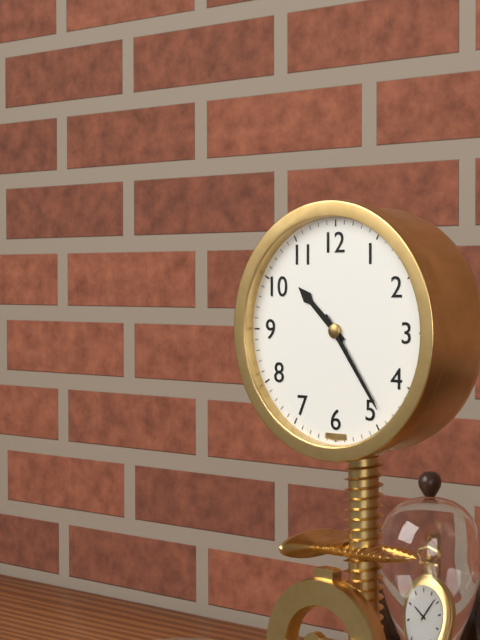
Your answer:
**10:24**
